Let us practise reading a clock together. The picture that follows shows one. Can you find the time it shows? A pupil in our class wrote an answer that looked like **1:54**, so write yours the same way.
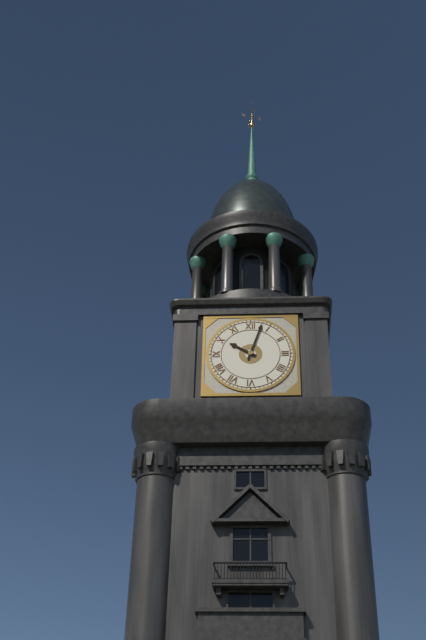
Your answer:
**10:03**
